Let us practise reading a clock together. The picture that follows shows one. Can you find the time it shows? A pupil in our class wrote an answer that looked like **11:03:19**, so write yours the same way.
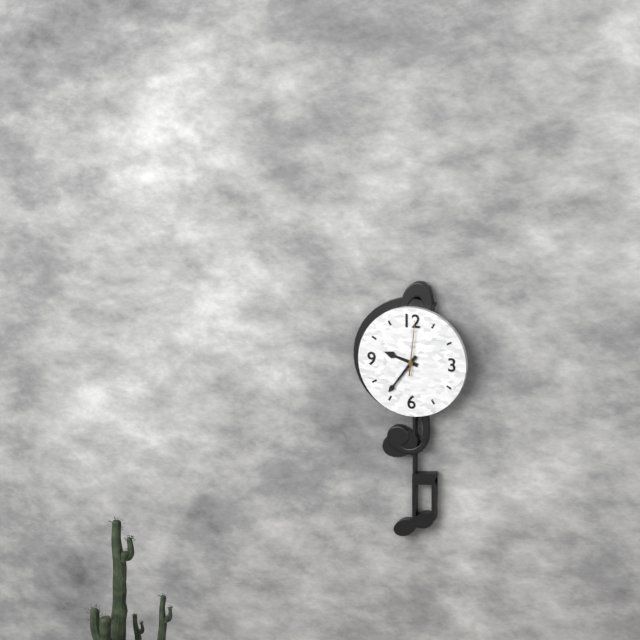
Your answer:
**9:36:01**
